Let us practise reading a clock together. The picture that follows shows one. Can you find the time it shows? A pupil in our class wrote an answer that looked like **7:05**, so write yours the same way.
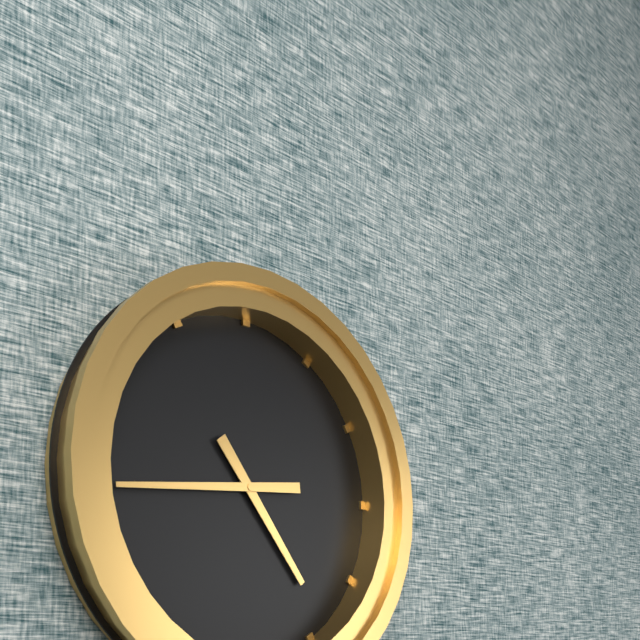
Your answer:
**4:44**
